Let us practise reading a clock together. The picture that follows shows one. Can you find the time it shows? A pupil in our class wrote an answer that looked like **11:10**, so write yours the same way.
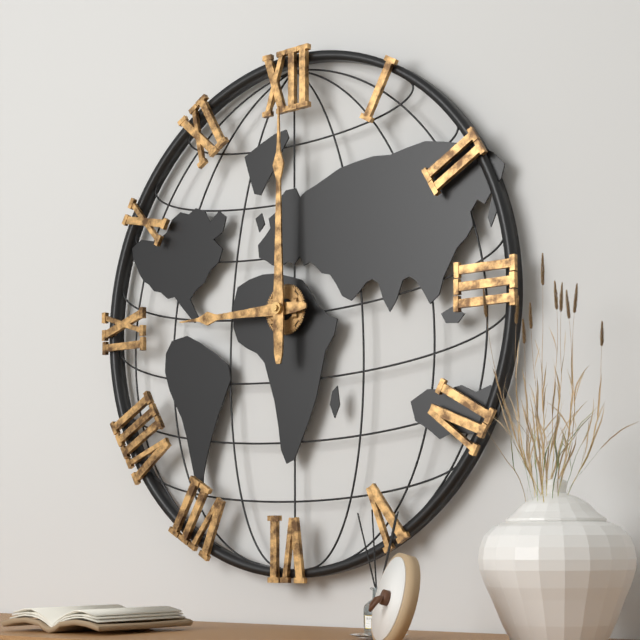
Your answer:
**9:00**
